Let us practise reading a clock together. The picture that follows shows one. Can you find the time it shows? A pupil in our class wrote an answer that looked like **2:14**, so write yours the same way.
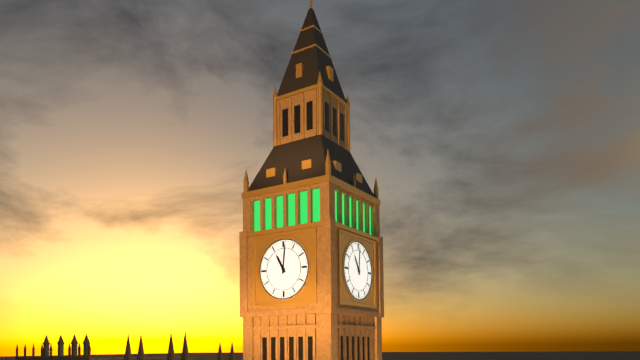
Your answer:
**11:01**
